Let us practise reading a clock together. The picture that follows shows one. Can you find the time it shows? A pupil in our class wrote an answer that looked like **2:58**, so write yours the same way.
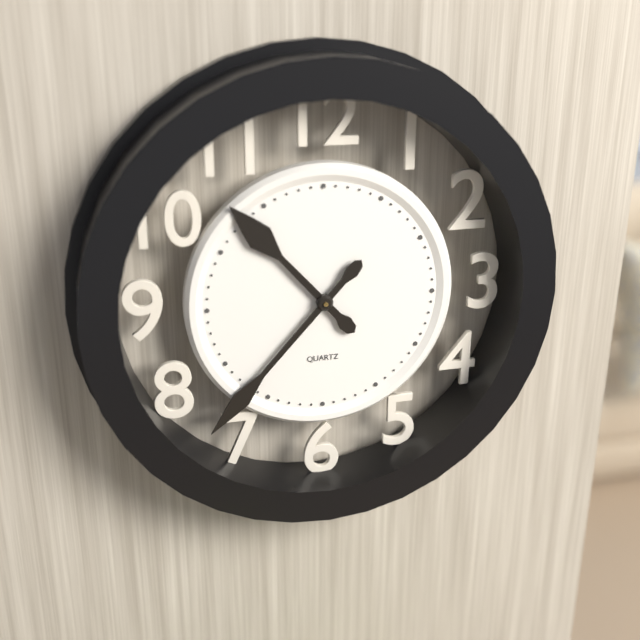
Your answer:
**10:37**
